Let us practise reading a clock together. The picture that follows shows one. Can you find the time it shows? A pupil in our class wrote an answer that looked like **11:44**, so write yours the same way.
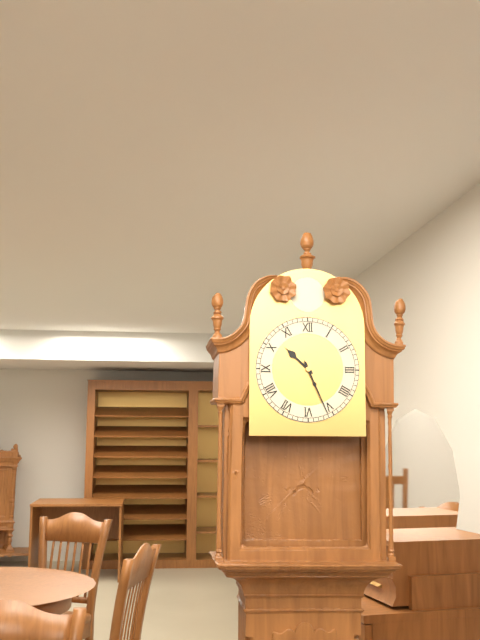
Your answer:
**10:26**
